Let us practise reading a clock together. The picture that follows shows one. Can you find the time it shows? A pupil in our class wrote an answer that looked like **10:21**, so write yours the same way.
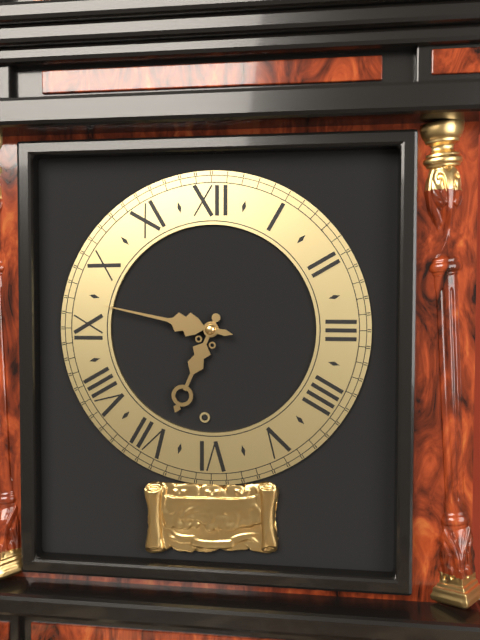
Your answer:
**6:47**
